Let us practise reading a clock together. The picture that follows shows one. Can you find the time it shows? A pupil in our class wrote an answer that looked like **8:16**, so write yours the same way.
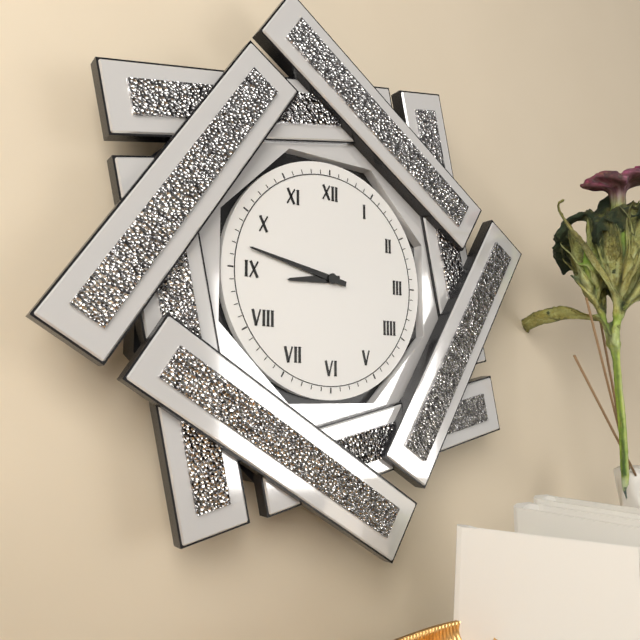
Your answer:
**8:47**
